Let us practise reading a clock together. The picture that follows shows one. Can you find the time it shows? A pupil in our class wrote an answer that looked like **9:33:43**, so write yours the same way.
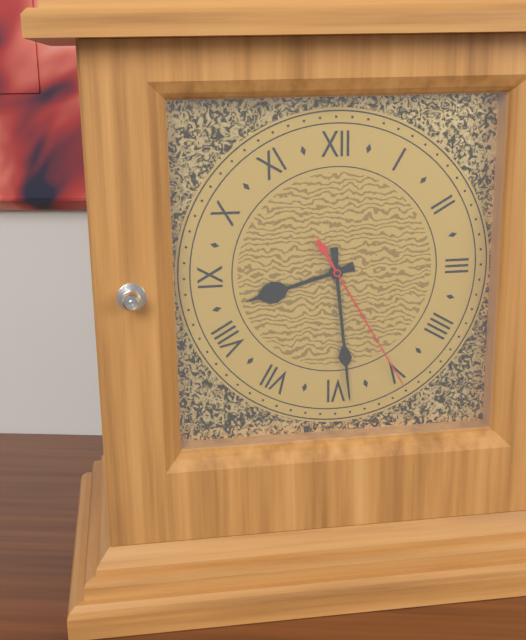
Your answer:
**8:29:25**
